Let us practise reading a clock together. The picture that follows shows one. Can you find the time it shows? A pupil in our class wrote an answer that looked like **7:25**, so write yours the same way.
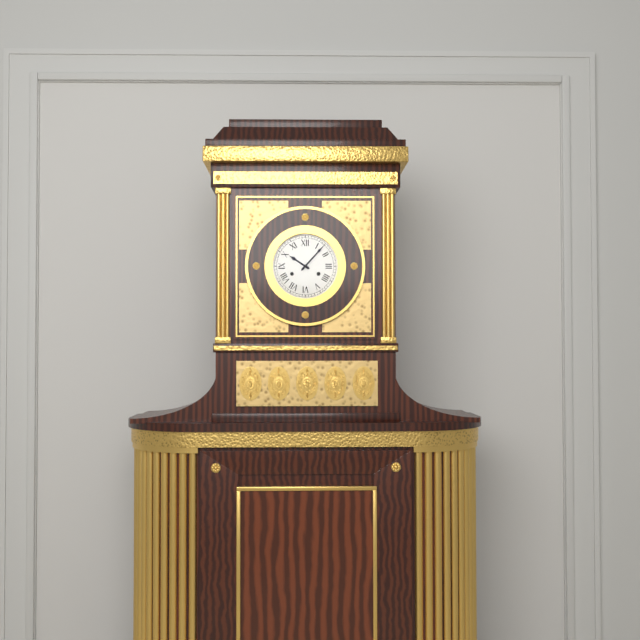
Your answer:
**10:07**
